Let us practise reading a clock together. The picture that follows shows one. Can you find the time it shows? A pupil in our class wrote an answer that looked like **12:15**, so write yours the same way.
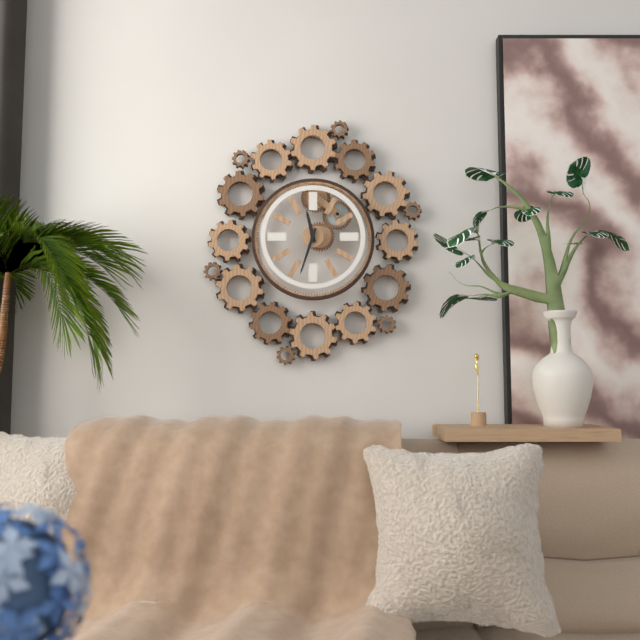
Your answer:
**11:33**
